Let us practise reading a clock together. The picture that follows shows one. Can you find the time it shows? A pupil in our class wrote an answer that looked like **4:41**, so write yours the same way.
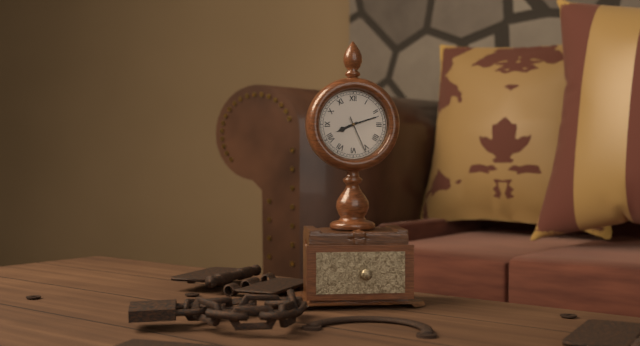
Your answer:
**8:12**
